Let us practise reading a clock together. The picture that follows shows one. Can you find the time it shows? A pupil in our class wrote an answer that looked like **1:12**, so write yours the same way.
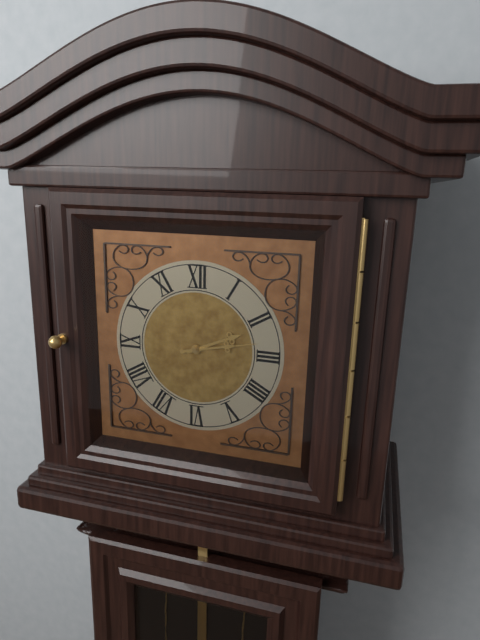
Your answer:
**2:13**
